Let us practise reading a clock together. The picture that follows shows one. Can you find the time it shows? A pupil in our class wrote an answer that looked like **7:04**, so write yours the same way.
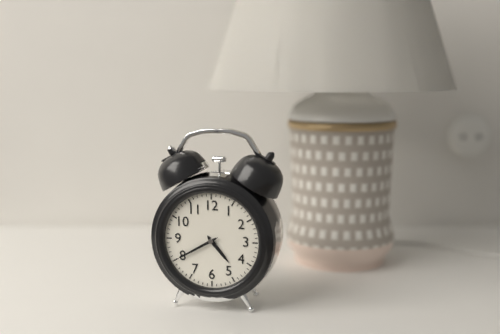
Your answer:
**4:40**
